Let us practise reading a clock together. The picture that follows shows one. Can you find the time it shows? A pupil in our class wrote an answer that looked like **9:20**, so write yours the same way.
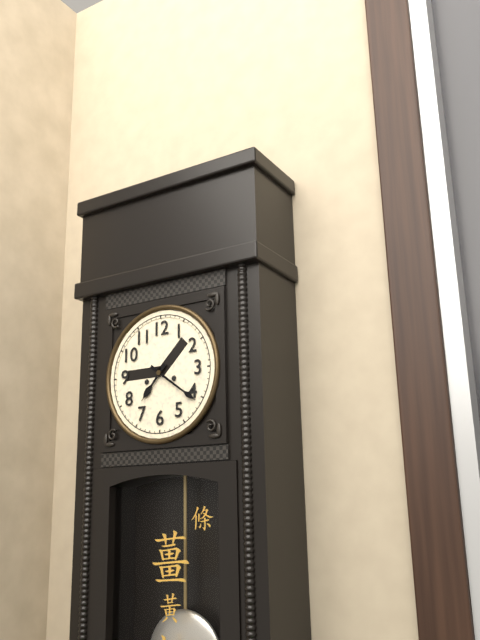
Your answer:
**7:21**
